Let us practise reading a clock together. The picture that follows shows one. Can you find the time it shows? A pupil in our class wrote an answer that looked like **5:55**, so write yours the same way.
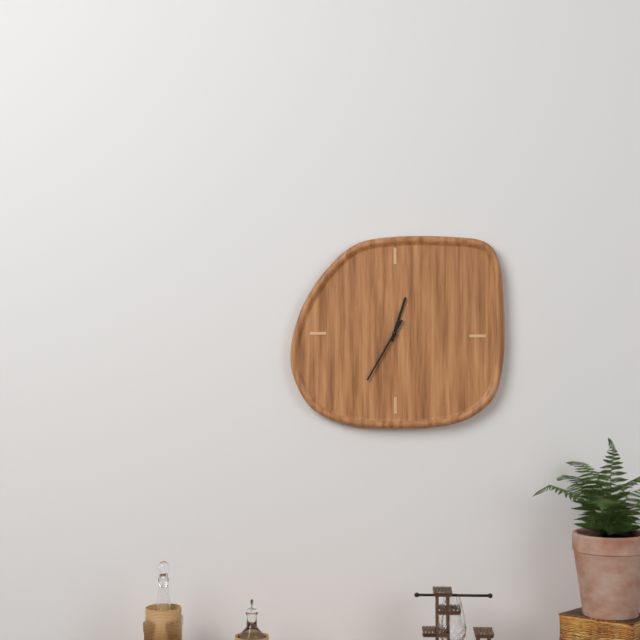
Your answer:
**12:35**
